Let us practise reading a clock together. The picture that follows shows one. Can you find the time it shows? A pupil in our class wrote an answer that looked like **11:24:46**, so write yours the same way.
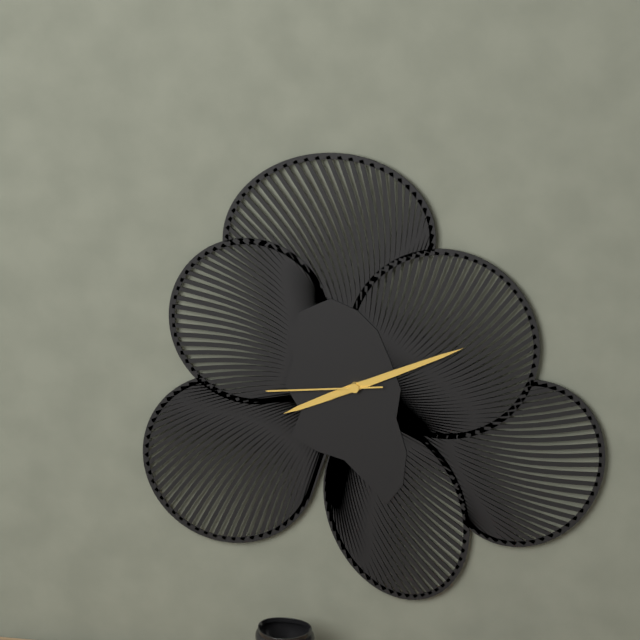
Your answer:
**8:11:44**
